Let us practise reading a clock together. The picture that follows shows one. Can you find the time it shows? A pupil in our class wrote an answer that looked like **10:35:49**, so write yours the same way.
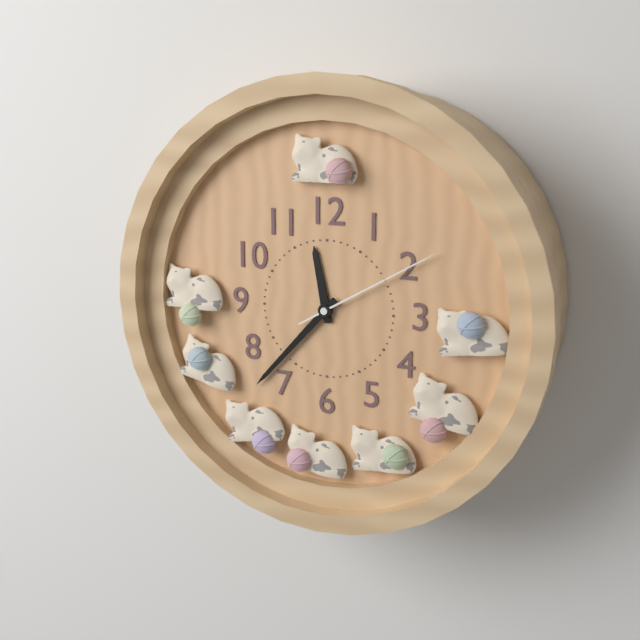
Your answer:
**11:37:10**
